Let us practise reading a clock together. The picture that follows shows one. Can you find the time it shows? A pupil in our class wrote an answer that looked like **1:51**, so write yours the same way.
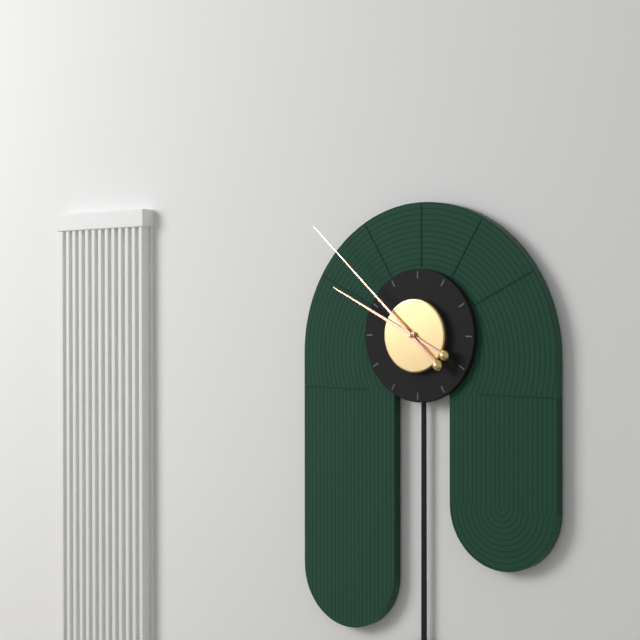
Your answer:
**9:52**
